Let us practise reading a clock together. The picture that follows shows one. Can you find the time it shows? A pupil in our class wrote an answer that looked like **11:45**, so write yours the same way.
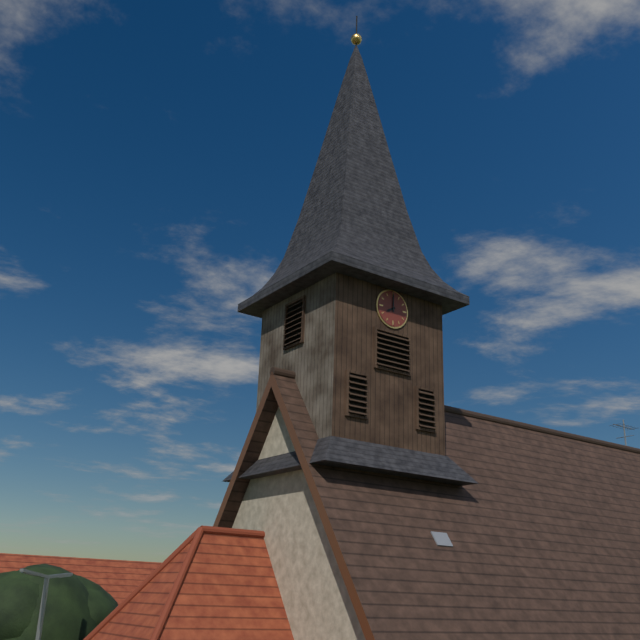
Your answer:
**8:00**
